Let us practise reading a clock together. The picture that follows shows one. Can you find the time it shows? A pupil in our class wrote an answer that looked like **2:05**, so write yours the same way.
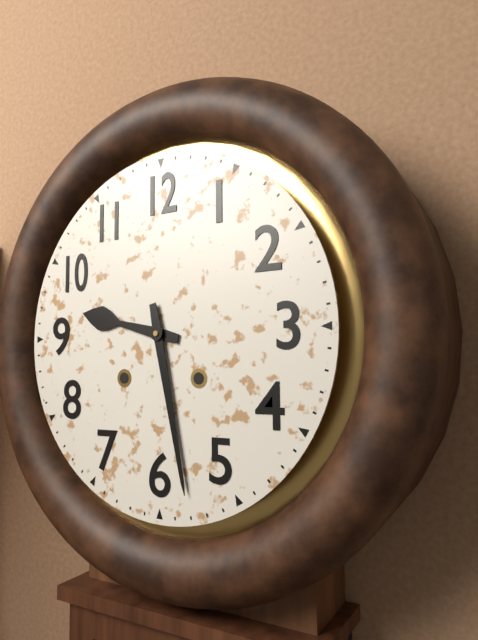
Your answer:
**9:28**
